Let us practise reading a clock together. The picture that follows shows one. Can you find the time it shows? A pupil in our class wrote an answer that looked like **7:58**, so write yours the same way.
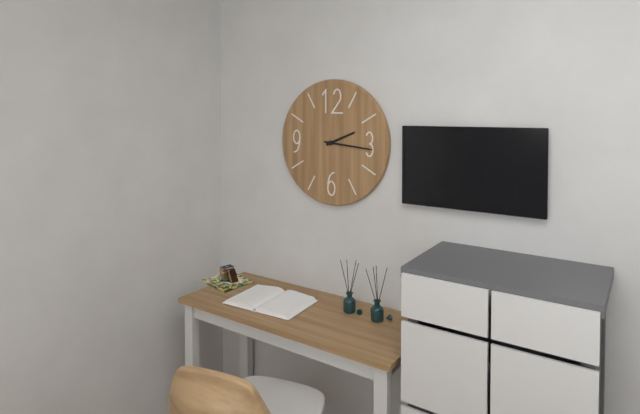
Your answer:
**2:16**
